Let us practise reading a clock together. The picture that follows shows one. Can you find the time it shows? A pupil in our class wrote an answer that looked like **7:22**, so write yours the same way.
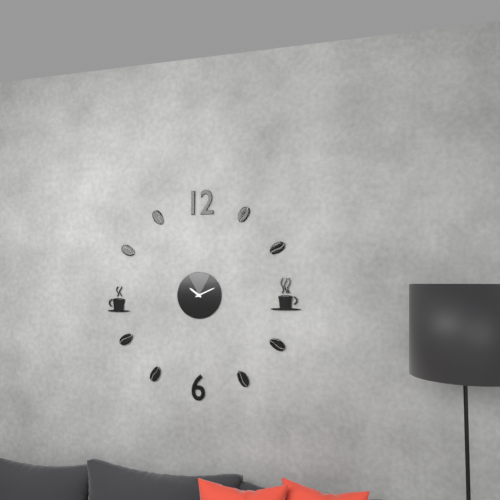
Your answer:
**10:11**
